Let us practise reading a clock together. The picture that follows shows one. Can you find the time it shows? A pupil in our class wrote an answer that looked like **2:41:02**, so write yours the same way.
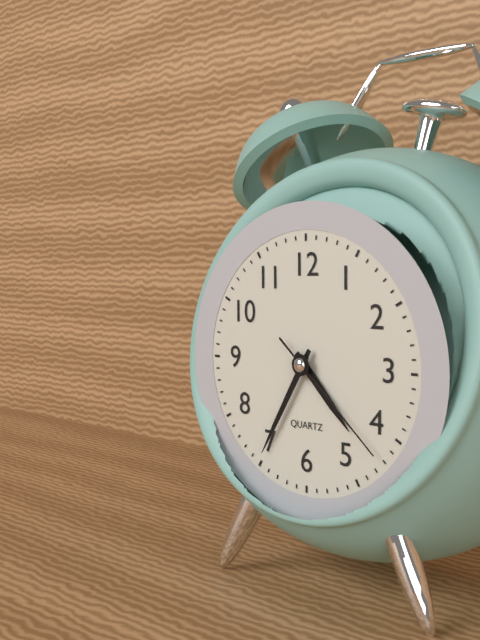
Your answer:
**4:35:22**
